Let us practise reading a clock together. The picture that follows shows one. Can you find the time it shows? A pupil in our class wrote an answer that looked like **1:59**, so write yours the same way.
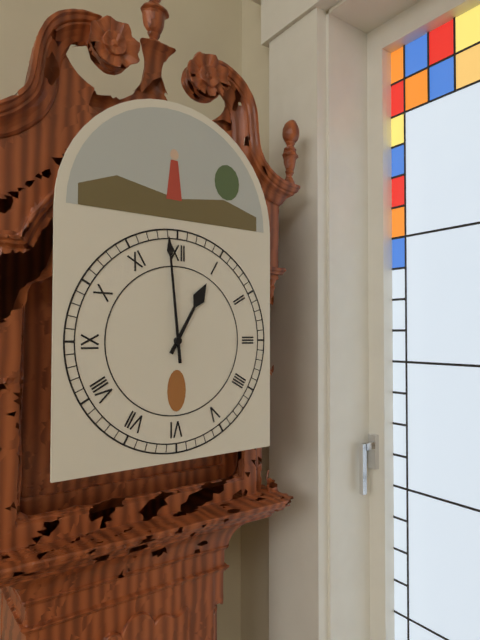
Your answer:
**12:59**
